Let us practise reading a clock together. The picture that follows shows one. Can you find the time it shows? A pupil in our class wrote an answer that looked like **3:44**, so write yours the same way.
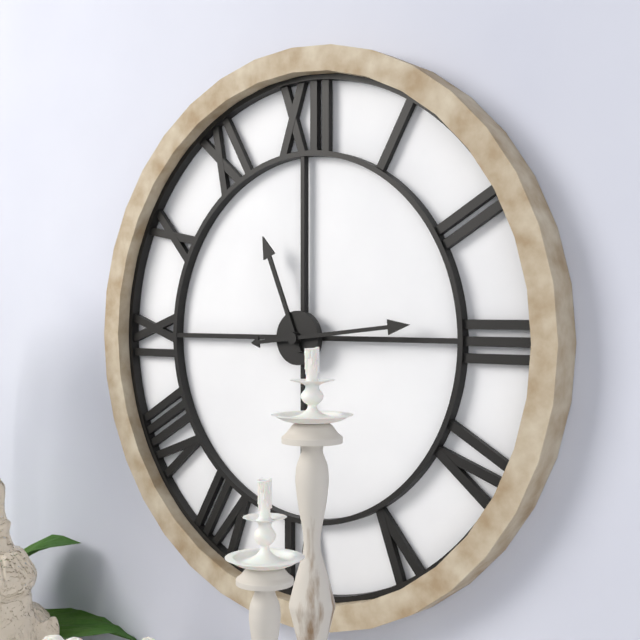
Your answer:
**11:14**
